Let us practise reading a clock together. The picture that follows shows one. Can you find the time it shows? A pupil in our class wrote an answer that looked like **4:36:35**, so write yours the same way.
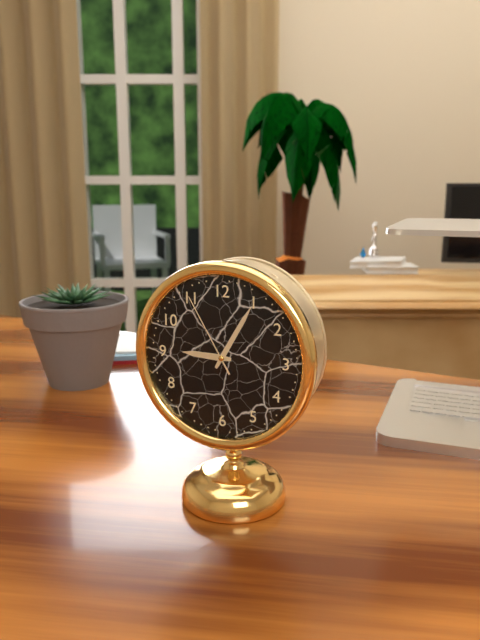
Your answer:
**9:05:55**
